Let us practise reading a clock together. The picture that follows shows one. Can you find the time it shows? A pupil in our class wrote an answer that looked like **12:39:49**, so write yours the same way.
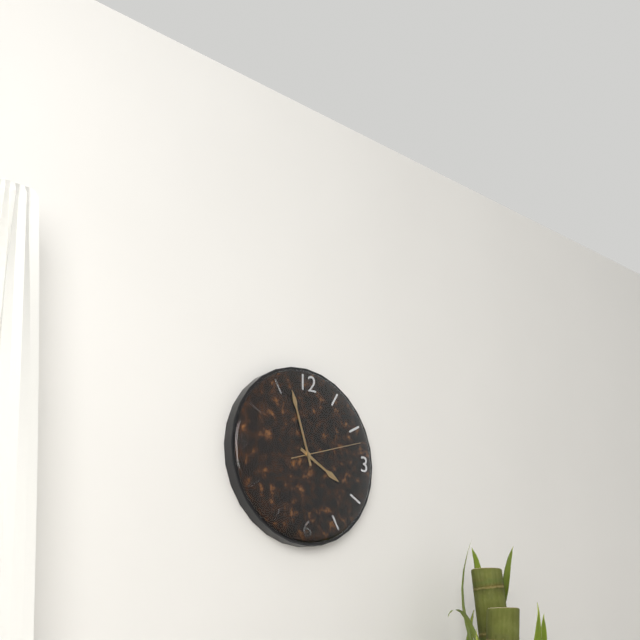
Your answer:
**3:57:12**
